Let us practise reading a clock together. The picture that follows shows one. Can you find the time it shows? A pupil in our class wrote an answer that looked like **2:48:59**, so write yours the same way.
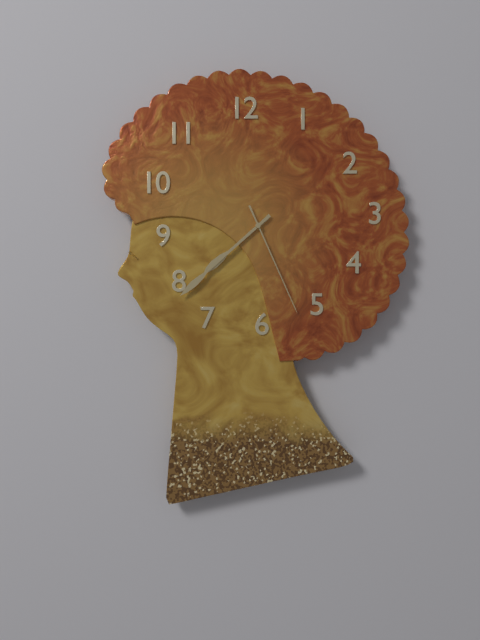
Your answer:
**7:38:26**
